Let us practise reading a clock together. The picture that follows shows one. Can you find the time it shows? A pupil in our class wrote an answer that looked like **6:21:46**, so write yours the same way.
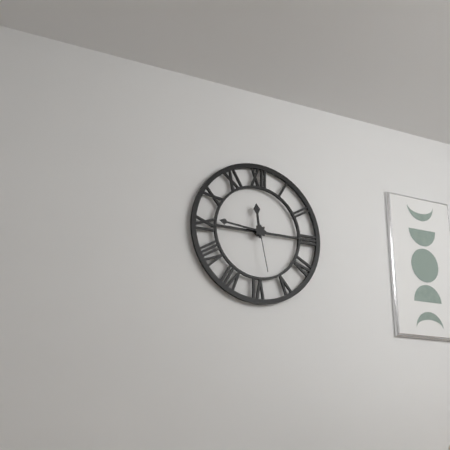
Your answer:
**11:46:28**
